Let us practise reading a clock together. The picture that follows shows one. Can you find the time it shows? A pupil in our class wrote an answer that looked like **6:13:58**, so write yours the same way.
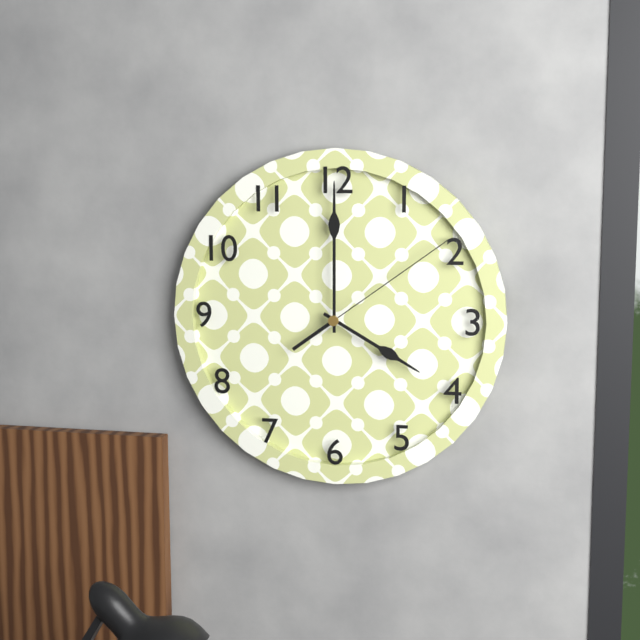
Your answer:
**4:00:09**
